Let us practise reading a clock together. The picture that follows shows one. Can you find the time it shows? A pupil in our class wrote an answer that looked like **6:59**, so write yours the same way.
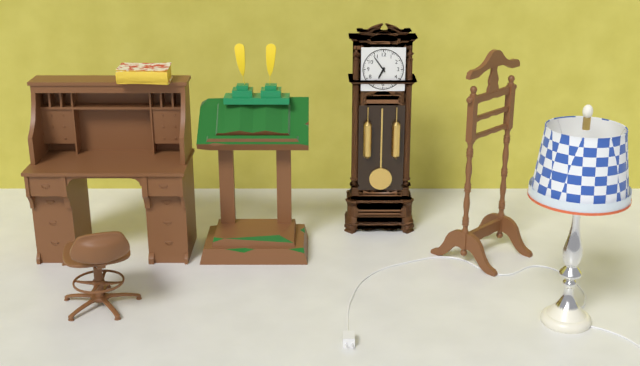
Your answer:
**6:54**
